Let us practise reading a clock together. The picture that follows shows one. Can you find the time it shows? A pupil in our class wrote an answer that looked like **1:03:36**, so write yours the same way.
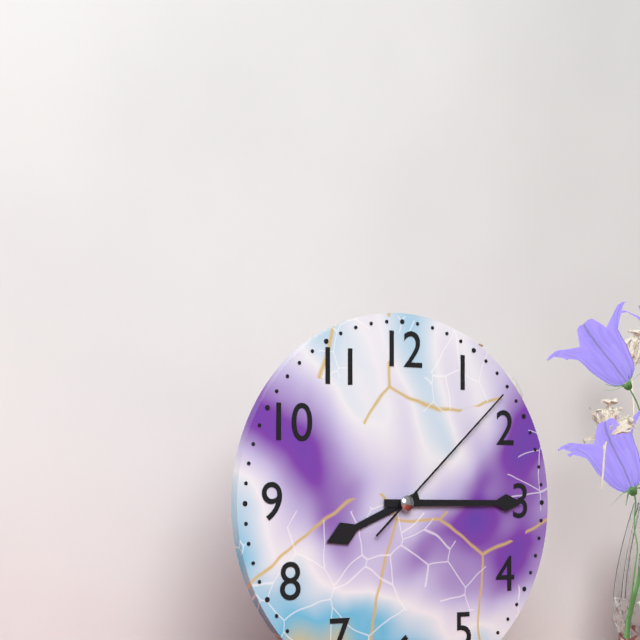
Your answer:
**8:15:08**
